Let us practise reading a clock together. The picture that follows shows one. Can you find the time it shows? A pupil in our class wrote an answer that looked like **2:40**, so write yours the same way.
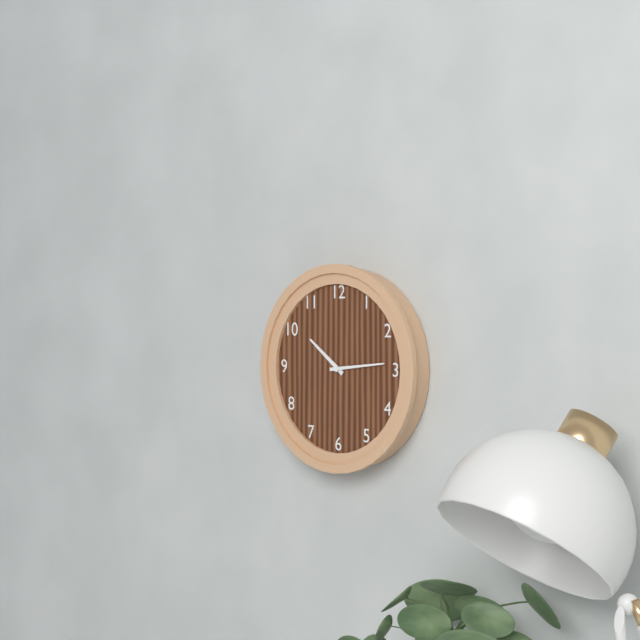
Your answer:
**10:14**
